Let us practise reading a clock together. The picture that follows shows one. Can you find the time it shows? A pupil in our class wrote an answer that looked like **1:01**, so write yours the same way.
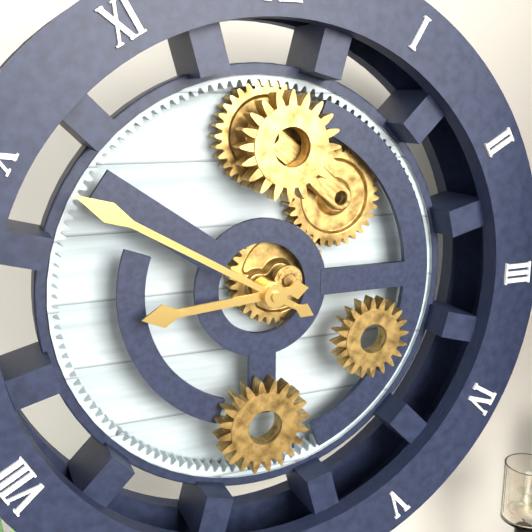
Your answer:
**8:50**
